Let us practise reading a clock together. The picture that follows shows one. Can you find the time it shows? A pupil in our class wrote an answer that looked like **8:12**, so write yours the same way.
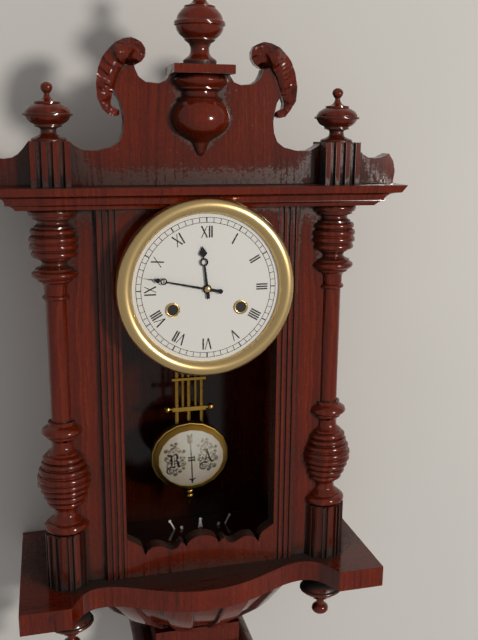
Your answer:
**11:47**
